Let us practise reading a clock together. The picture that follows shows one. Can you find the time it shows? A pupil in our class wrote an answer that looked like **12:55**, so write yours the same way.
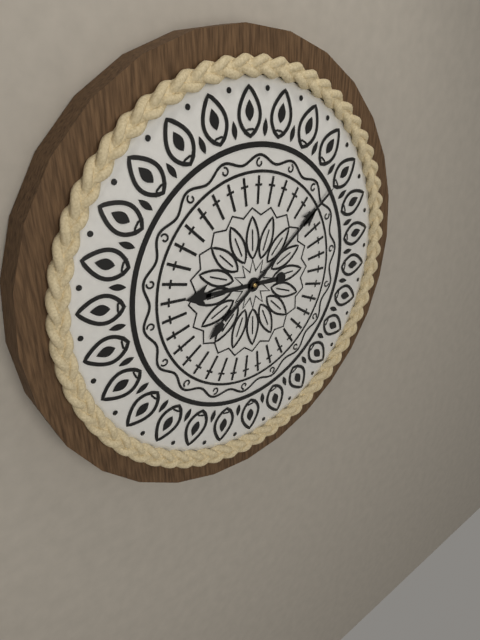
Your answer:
**9:09**
